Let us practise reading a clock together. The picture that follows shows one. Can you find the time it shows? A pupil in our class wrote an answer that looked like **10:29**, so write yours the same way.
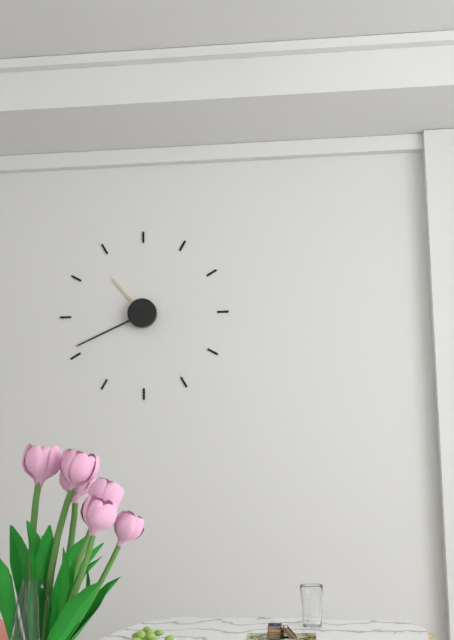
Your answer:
**10:41**
